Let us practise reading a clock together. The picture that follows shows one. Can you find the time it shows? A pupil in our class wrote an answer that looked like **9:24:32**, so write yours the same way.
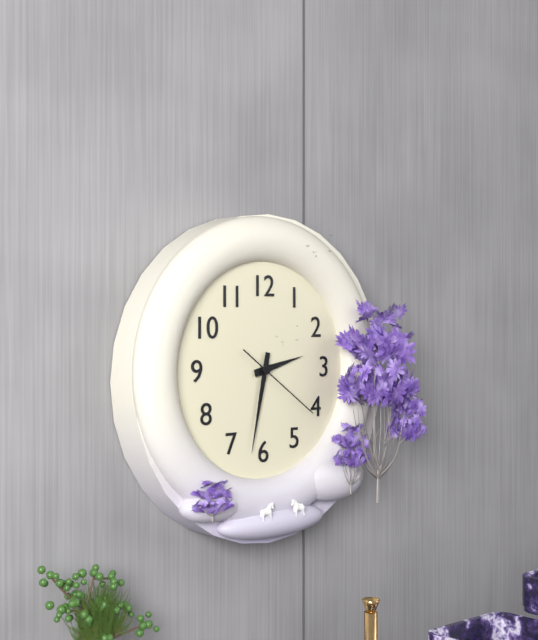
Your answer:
**2:32:21**
